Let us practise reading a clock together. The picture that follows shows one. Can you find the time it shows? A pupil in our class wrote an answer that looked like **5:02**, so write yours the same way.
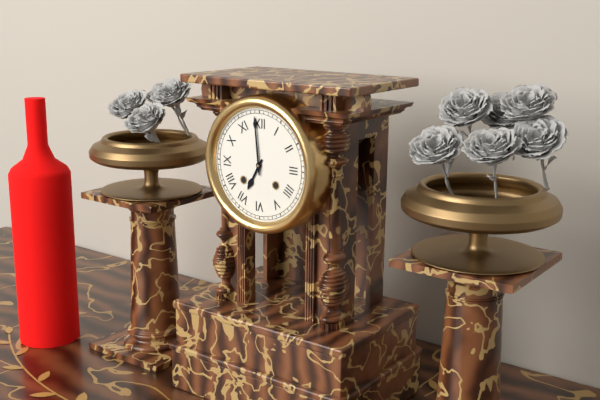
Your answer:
**6:59**
